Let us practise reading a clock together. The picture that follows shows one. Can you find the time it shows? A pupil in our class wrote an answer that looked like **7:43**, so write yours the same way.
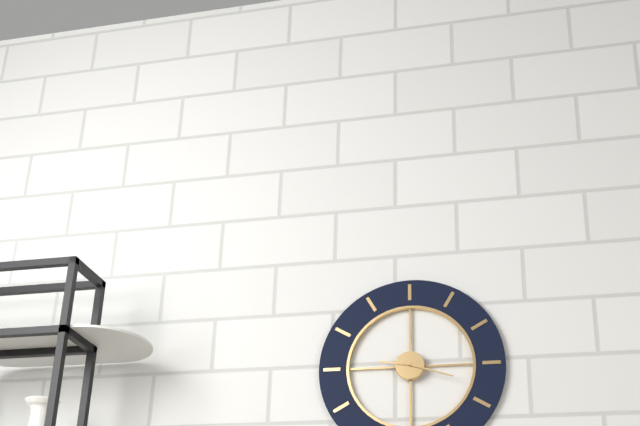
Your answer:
**9:18**
